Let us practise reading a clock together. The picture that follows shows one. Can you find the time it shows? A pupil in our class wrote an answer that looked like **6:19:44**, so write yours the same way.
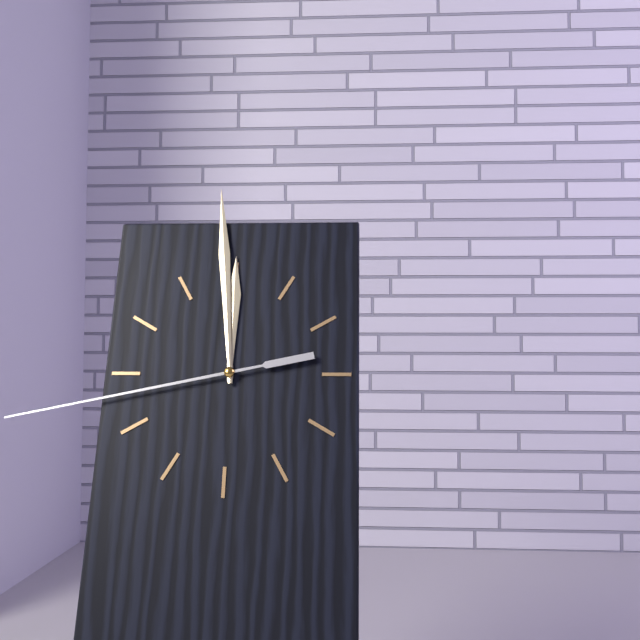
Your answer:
**11:59:43**
